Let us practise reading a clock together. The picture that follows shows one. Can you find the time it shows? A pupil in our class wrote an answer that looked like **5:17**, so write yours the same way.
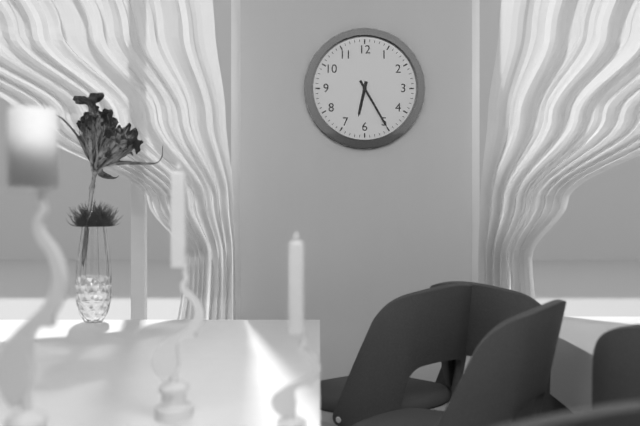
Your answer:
**6:25**
